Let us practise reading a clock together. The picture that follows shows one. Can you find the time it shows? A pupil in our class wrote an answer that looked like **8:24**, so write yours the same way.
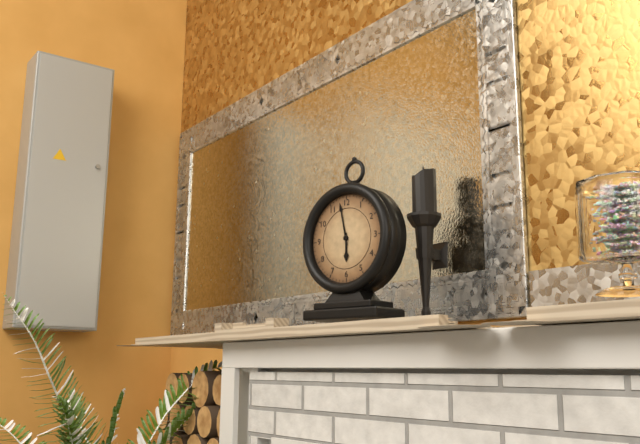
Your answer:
**5:58**
